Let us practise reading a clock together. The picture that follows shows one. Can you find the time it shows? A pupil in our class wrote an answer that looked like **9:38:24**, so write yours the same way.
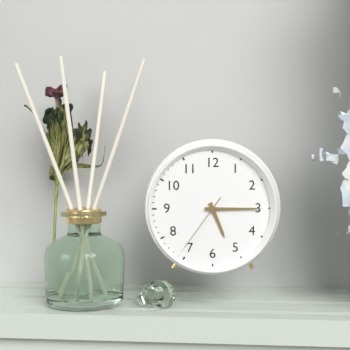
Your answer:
**5:15:36**
